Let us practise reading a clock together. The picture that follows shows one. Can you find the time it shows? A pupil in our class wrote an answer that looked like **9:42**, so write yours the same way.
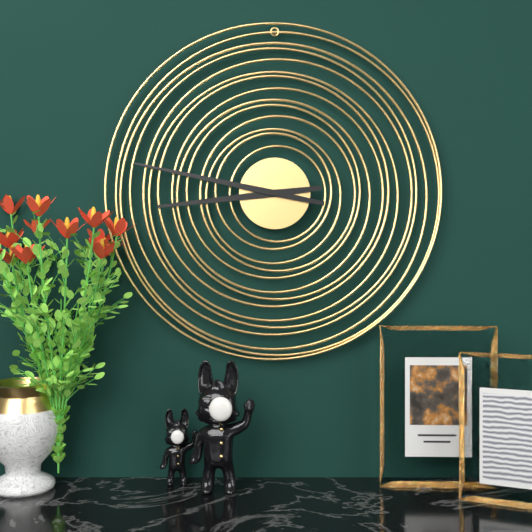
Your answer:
**8:47**
